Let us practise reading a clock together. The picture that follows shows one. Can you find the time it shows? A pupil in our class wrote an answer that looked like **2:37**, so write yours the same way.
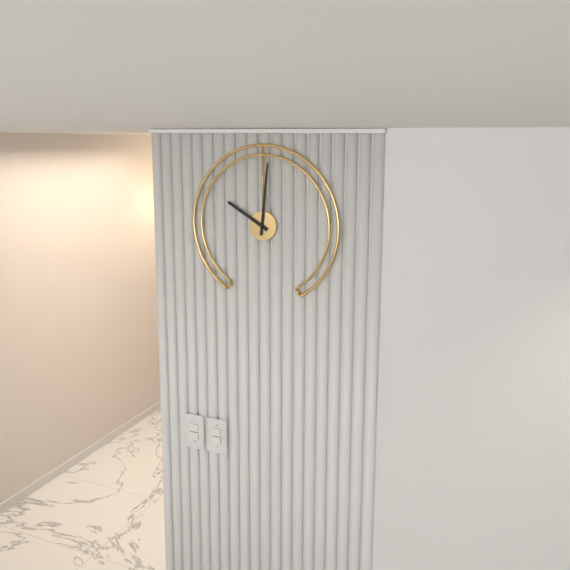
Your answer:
**10:01**
